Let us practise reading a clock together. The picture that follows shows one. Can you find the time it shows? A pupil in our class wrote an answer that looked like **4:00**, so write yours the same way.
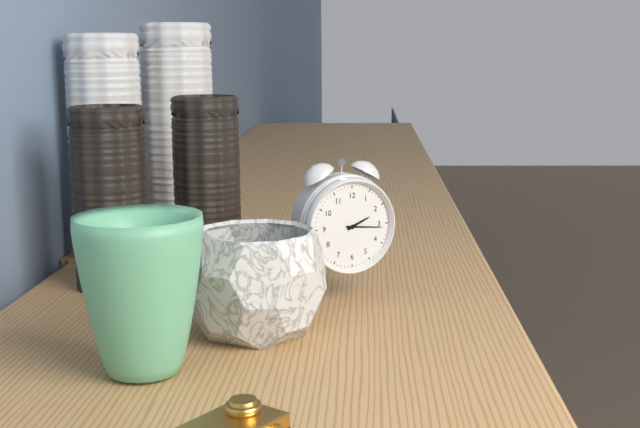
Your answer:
**2:16**
